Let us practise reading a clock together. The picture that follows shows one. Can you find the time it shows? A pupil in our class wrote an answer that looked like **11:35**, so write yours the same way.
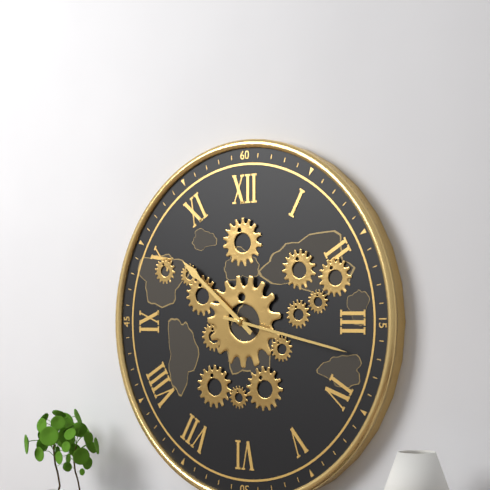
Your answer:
**10:17**
